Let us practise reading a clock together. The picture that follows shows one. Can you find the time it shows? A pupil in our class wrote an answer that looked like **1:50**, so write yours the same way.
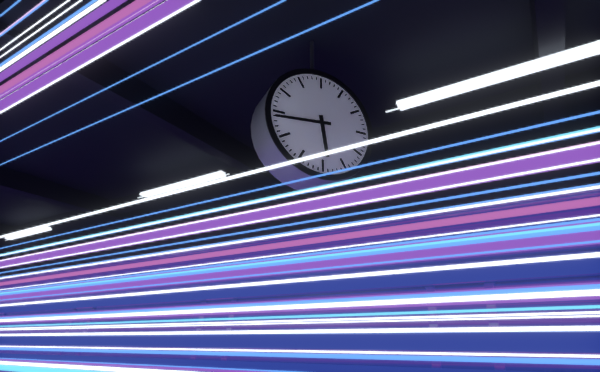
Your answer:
**5:44**
